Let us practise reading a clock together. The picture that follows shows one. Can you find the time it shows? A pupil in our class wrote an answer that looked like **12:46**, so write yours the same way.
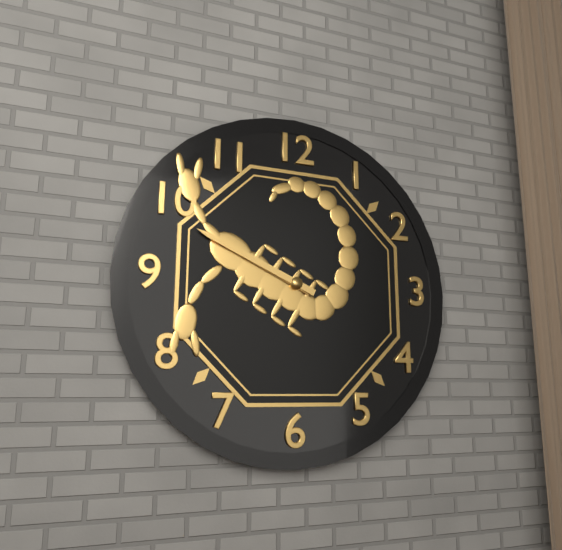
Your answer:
**9:49**
